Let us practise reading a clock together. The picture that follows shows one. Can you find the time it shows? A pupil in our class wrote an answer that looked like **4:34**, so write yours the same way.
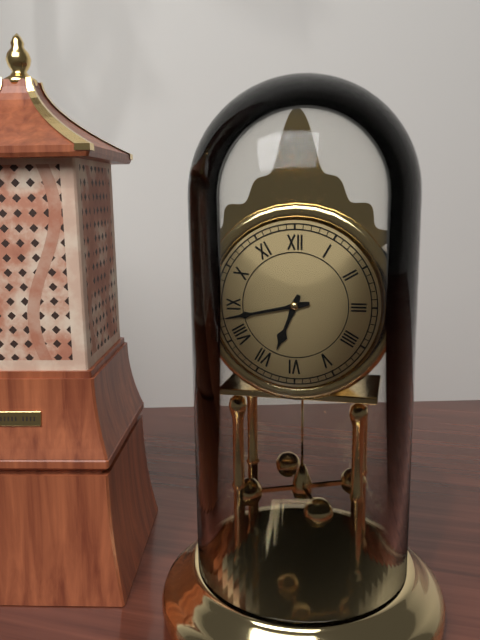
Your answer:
**6:43**
